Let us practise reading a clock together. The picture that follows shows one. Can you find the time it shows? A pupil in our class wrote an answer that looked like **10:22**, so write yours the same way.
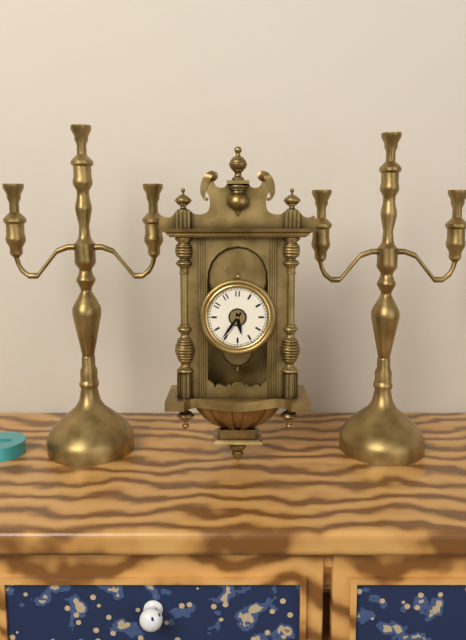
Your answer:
**5:36**
